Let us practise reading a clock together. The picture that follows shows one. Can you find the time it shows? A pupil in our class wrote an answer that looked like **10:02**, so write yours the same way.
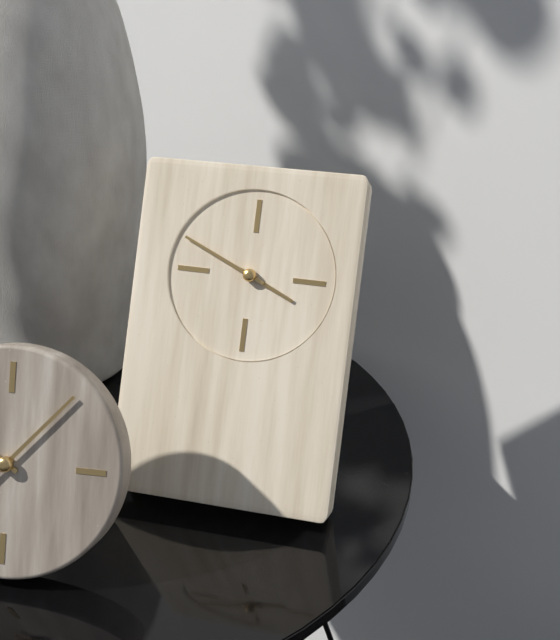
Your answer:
**3:49**
